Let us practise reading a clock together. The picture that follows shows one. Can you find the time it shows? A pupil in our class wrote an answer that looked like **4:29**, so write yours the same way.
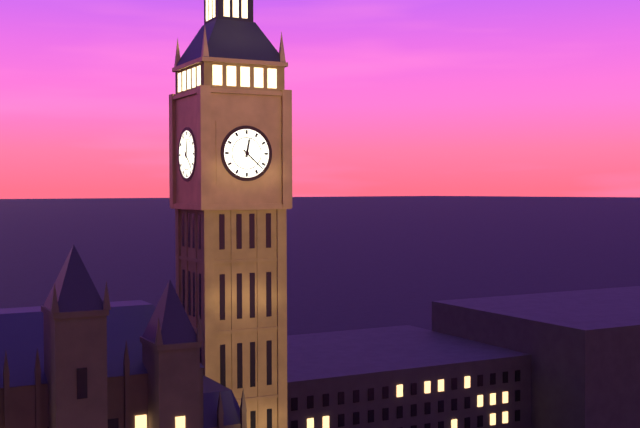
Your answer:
**12:22**
